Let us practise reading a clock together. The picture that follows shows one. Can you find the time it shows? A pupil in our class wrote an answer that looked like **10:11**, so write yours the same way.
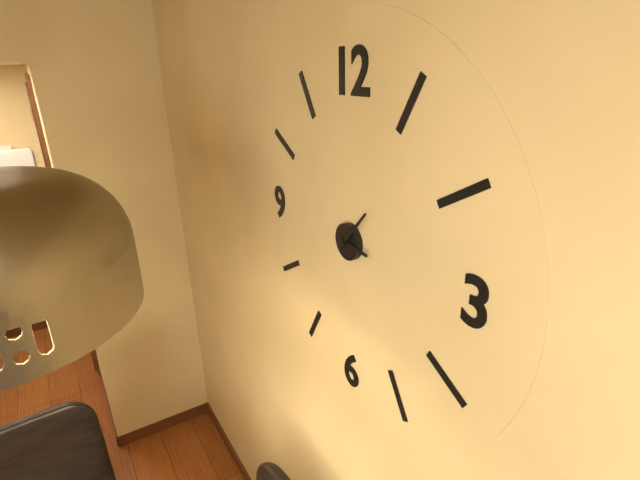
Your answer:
**3:07**
